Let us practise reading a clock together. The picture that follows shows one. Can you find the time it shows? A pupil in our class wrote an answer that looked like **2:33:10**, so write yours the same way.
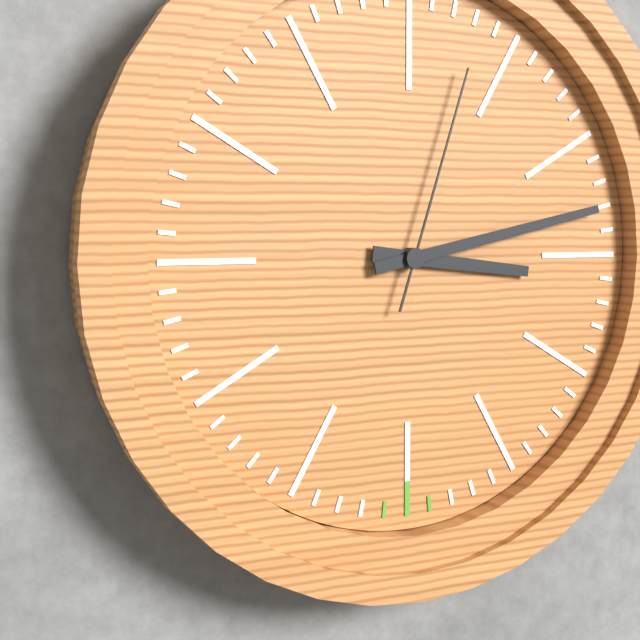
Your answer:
**3:13:03**
